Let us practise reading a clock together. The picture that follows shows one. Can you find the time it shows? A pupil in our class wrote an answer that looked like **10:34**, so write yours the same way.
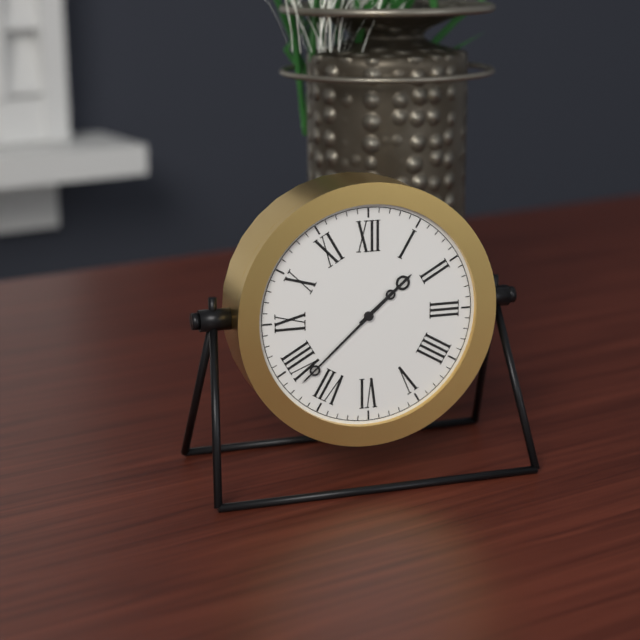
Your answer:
**1:38**
